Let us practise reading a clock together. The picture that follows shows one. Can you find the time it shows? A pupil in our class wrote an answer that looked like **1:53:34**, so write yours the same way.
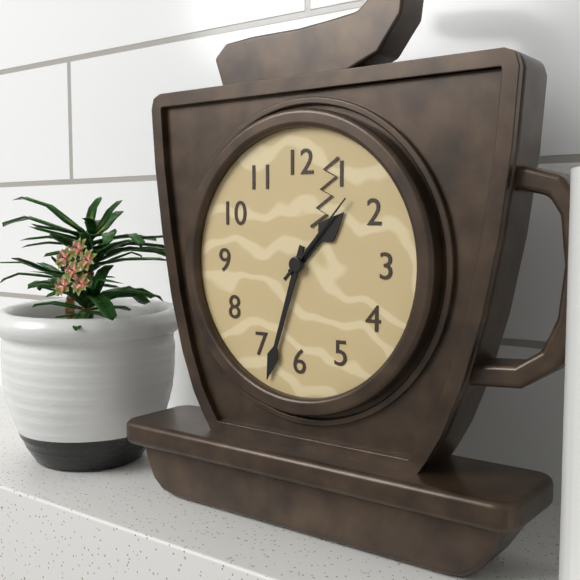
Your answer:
**1:33:07**
